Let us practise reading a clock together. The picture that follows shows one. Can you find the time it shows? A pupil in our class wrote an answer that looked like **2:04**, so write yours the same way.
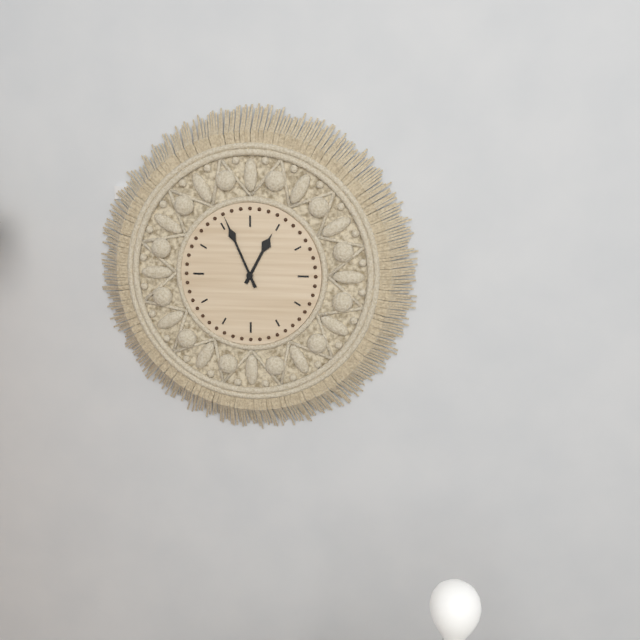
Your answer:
**12:56**
